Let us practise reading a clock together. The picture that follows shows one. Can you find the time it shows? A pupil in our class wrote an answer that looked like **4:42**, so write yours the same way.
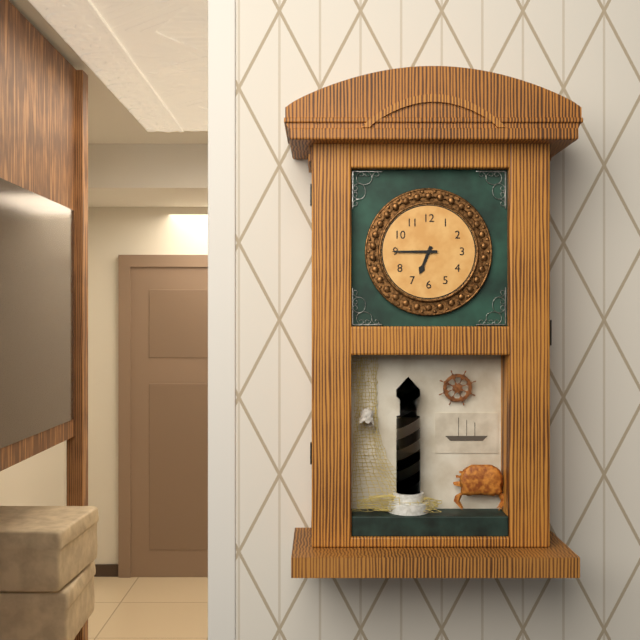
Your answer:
**6:45**
